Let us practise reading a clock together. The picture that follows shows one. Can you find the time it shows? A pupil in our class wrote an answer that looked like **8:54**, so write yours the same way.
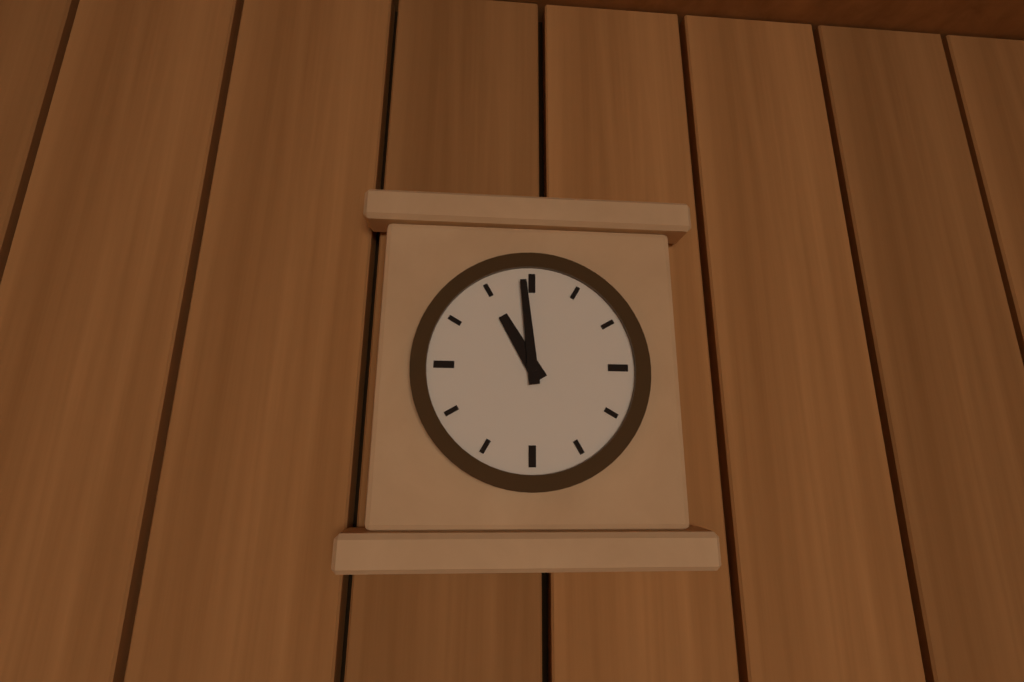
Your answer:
**10:59**
